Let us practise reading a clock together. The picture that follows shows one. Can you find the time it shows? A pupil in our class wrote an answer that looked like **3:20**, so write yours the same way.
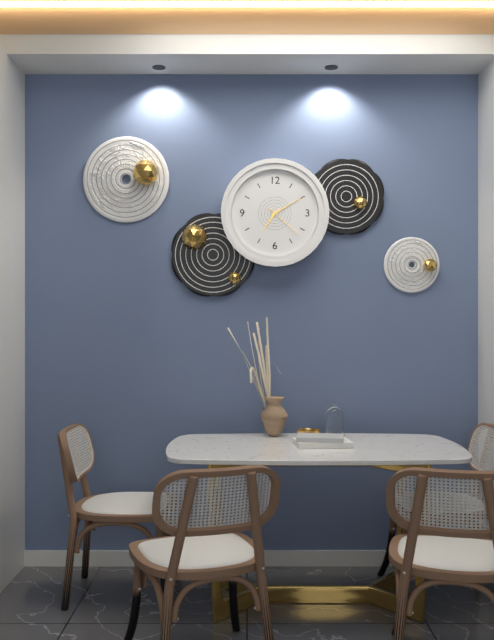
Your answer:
**7:10**
